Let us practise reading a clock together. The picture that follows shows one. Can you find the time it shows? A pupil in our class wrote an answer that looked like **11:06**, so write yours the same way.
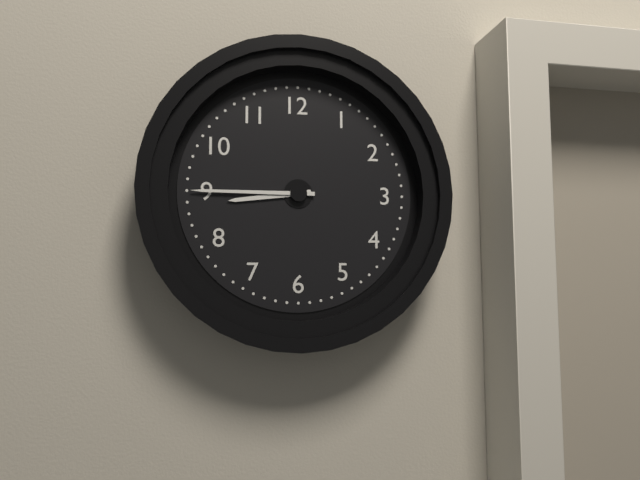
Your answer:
**8:45**
